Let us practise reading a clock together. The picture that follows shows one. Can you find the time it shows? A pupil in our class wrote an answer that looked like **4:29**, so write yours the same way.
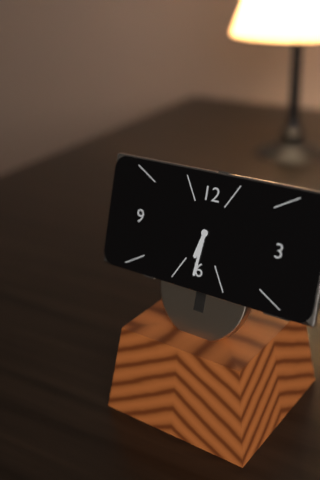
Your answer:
**6:31**
